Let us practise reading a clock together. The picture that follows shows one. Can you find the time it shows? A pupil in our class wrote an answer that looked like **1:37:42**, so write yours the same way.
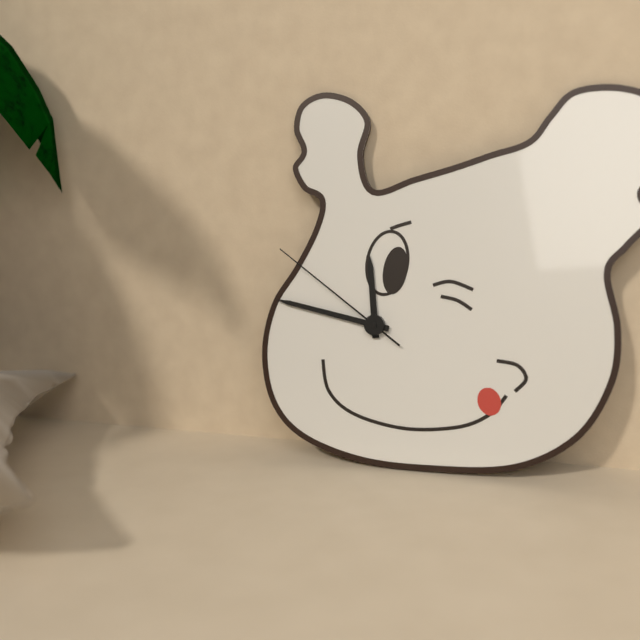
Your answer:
**11:47:51**
